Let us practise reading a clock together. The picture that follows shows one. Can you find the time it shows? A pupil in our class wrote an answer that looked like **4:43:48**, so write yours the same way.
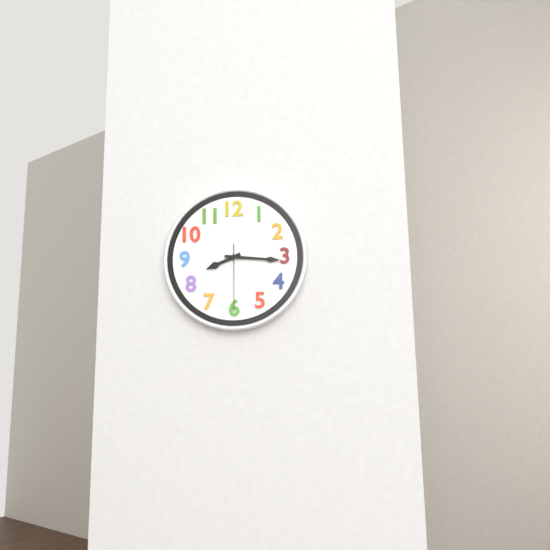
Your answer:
**8:16:30**
